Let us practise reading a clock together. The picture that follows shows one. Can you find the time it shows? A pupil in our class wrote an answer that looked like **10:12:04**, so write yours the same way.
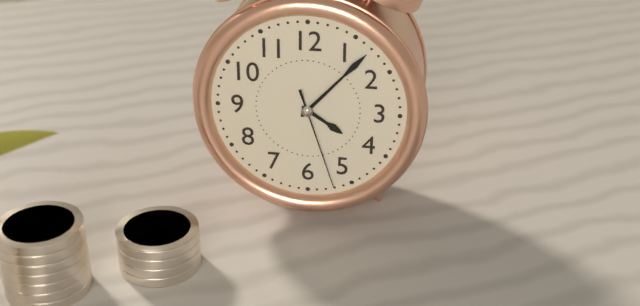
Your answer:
**4:07:27**
